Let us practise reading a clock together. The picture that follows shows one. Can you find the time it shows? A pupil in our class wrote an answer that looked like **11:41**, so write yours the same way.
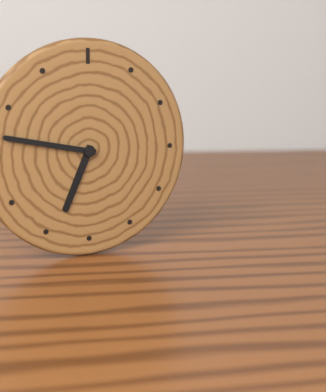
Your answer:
**6:47**
